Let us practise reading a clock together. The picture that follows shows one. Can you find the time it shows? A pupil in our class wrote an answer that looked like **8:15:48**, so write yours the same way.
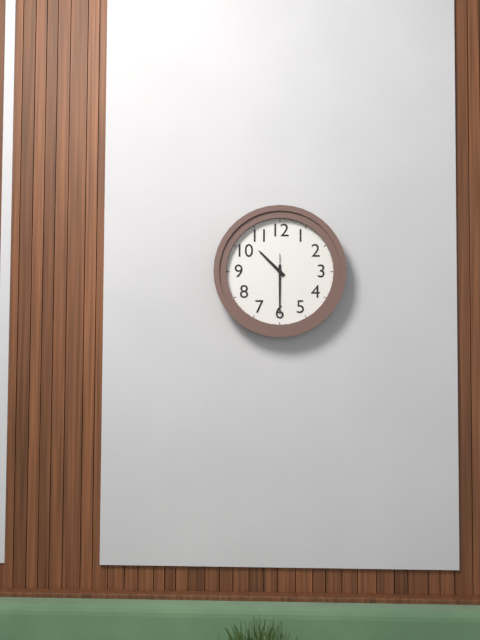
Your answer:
**10:30:30**
